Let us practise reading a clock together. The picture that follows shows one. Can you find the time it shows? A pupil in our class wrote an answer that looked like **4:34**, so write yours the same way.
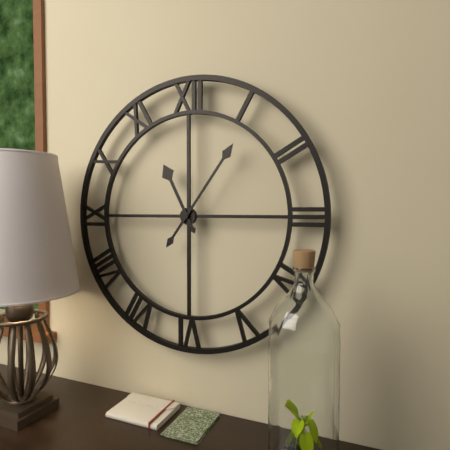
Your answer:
**11:06**
